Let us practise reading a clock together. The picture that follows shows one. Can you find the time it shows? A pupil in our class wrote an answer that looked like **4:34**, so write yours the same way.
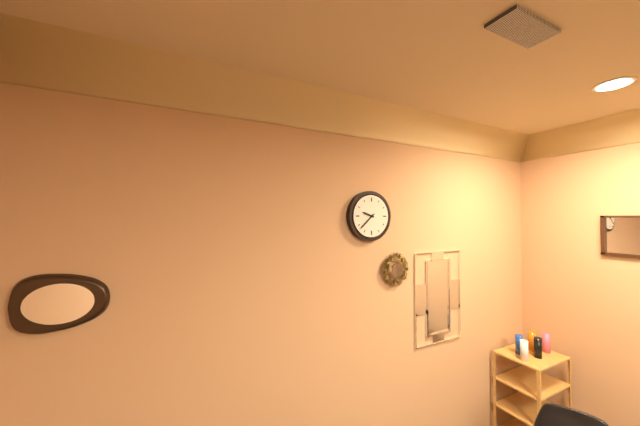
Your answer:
**9:38**
